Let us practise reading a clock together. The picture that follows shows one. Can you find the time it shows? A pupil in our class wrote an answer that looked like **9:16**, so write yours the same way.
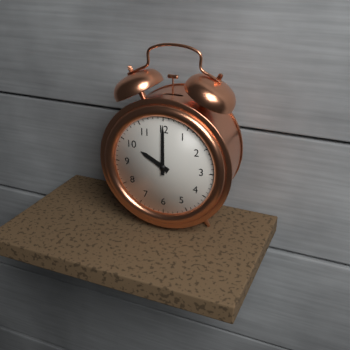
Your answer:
**10:00**
